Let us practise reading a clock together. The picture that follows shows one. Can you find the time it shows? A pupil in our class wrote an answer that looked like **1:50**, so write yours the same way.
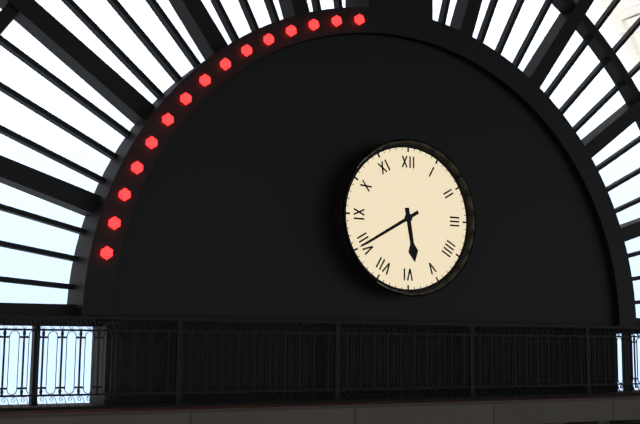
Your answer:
**5:40**
